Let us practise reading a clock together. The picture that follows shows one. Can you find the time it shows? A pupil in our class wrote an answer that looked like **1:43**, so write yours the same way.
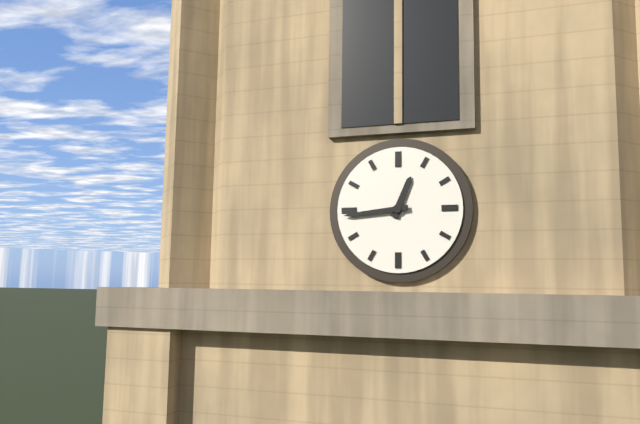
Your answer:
**12:44**
